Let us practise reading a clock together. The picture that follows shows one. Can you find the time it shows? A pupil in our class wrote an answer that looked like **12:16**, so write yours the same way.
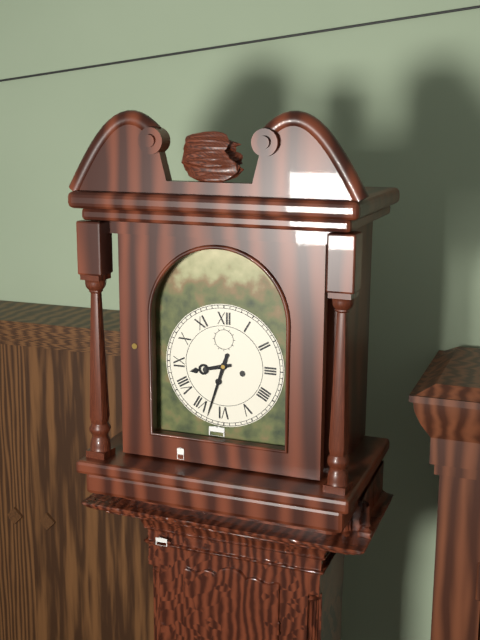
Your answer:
**8:33**
